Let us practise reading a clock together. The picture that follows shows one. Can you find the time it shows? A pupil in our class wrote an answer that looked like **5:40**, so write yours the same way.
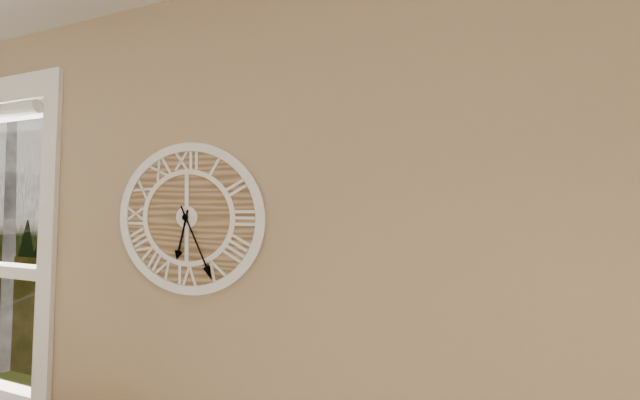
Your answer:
**6:26**
